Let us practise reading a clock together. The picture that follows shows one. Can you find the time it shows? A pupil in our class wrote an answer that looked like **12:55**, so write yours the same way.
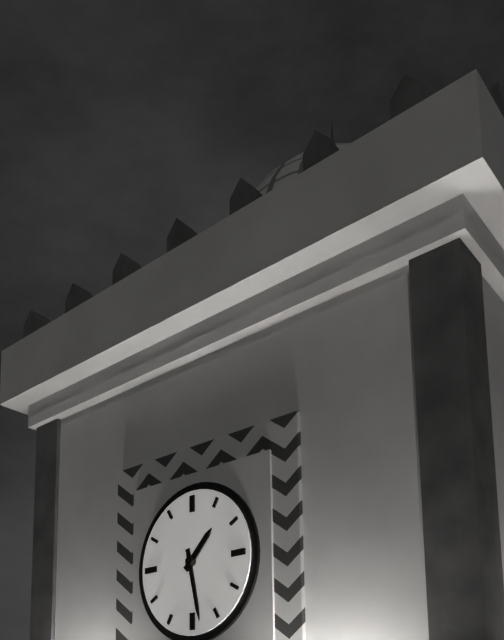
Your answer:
**1:28**
